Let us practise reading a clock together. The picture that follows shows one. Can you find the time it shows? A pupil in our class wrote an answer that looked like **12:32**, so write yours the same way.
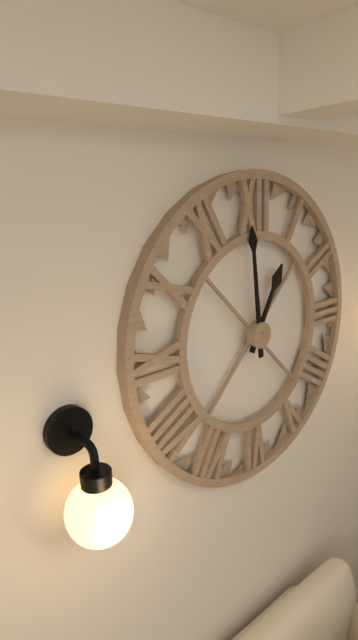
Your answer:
**12:59**
